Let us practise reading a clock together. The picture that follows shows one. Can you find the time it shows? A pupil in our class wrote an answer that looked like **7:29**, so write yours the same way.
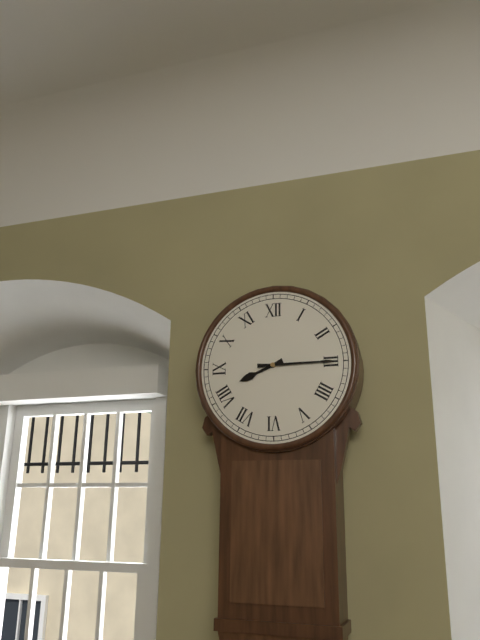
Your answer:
**8:15**
